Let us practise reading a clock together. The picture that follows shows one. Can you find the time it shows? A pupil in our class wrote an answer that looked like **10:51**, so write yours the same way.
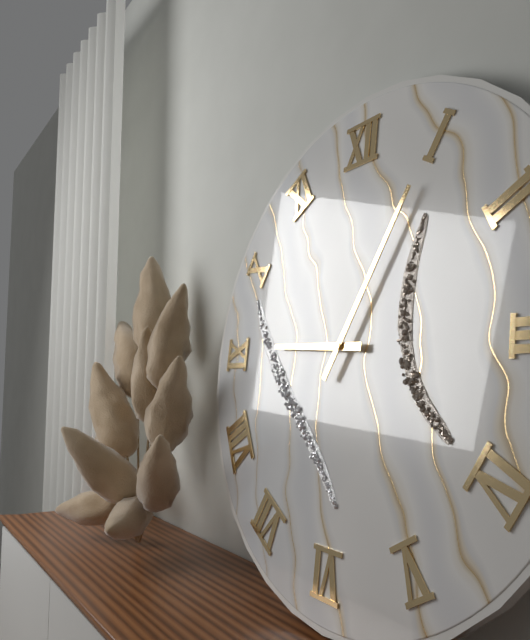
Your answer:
**9:05**
